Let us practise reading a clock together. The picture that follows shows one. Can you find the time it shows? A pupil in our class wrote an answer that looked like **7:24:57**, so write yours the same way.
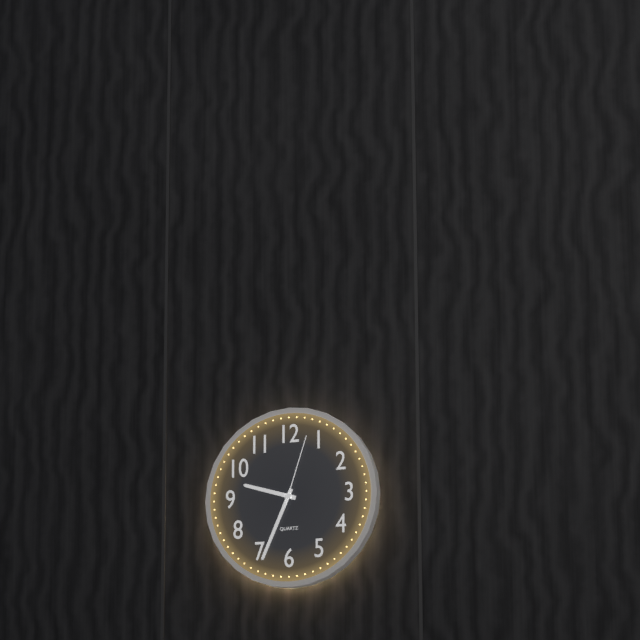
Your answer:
**9:34:03**
